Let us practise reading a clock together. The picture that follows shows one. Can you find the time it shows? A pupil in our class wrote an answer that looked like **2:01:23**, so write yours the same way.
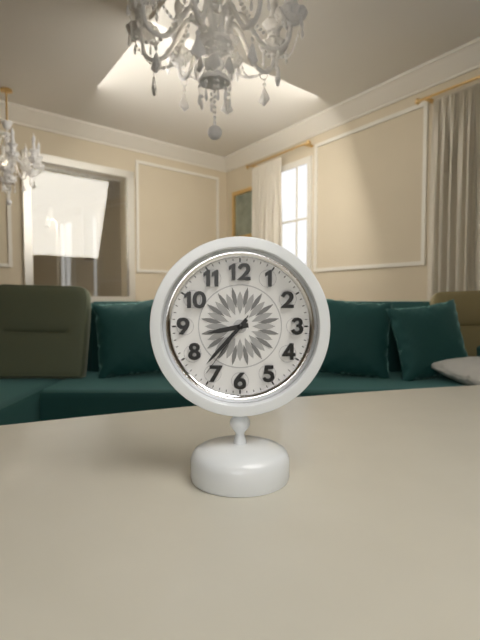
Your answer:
**8:37:36**
